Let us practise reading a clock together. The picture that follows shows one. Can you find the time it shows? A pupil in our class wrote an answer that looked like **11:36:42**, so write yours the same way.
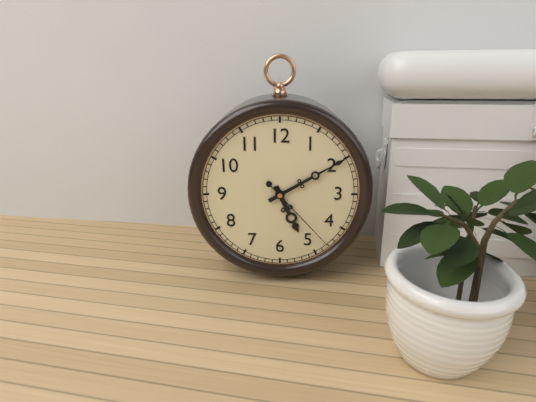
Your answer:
**5:10:23**
